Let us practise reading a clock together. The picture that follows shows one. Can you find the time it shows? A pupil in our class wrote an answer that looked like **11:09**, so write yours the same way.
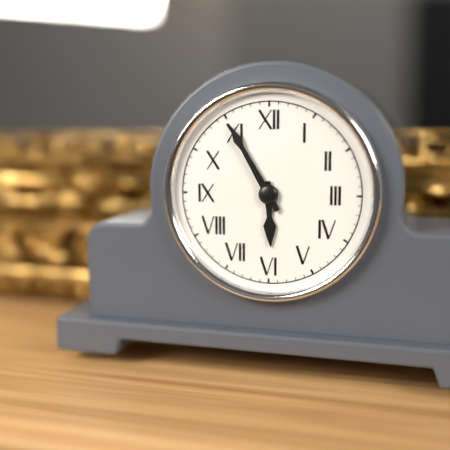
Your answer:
**5:55**
